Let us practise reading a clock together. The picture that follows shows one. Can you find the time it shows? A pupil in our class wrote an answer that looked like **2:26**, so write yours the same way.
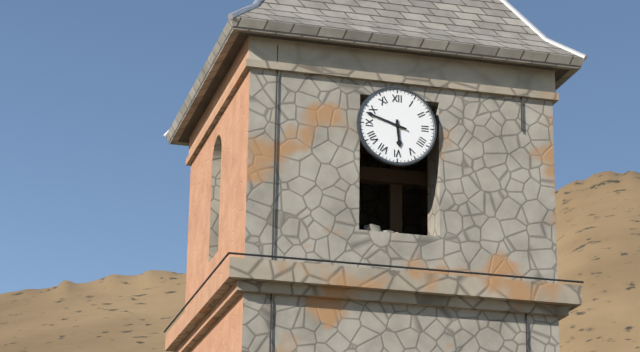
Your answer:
**5:48**
